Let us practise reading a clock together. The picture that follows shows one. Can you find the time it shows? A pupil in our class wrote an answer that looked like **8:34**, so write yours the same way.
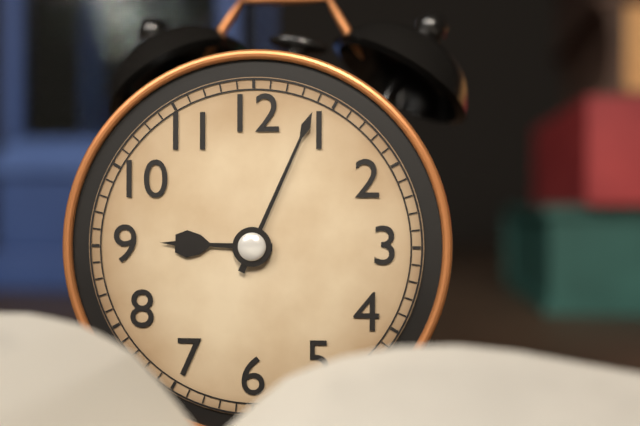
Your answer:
**9:04**
